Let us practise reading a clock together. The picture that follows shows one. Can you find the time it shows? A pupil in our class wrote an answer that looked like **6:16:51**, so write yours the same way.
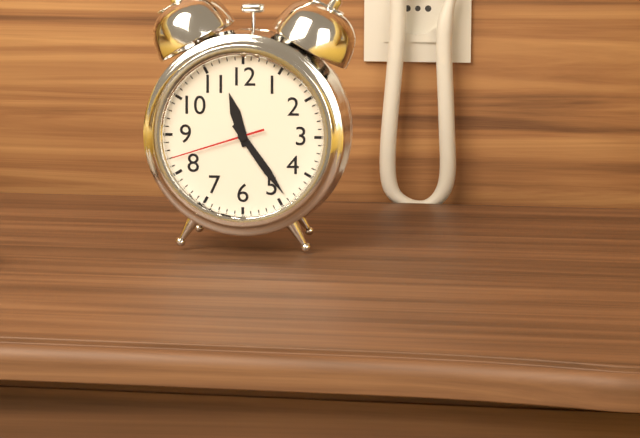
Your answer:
**11:24:42**
